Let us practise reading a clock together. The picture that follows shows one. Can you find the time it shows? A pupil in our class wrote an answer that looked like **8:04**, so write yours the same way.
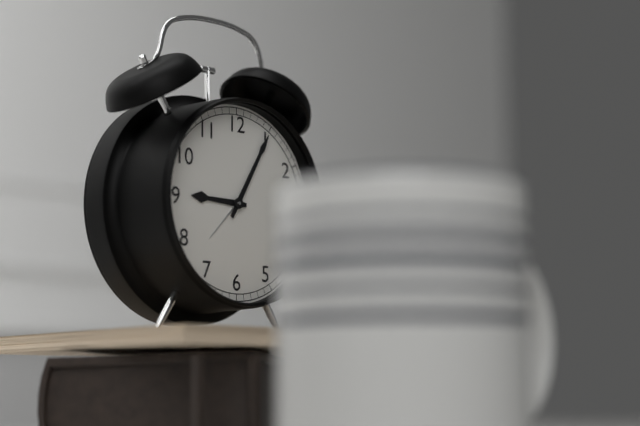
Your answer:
**9:05**
